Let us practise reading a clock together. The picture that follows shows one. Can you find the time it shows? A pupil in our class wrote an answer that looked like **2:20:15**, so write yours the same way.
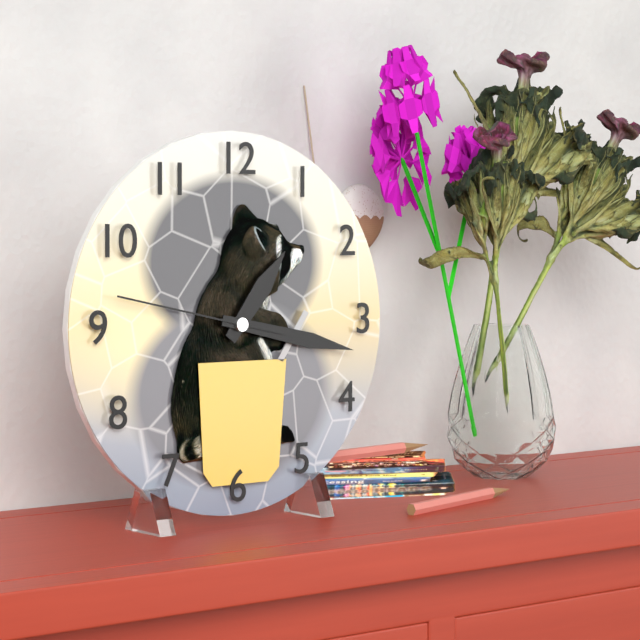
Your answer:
**1:17:47**
